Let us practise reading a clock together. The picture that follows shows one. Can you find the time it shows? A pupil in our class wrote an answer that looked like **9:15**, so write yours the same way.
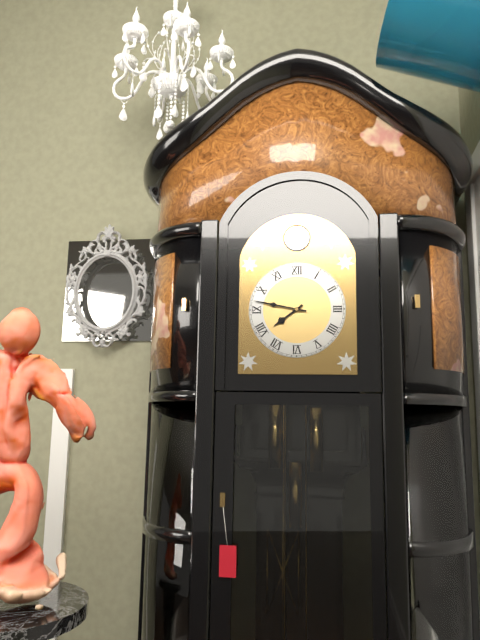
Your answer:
**7:47**
